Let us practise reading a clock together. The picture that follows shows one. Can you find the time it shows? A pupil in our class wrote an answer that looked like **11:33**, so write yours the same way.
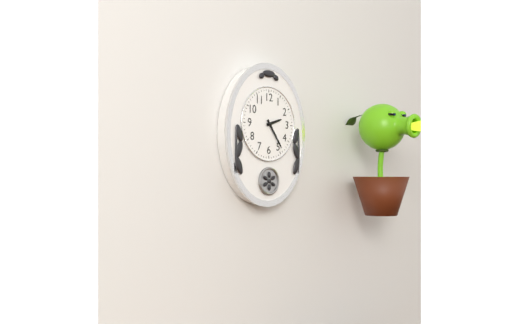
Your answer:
**2:24**
